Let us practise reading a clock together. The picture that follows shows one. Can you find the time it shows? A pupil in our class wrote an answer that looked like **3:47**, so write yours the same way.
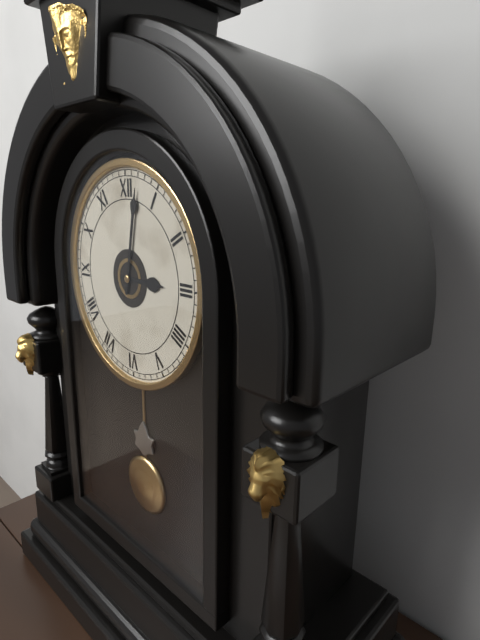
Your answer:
**3:02**
